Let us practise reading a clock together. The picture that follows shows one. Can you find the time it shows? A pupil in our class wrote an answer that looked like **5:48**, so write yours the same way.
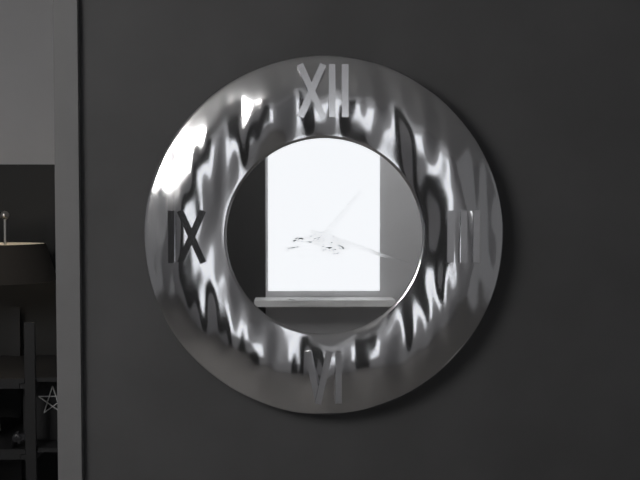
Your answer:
**1:18**
